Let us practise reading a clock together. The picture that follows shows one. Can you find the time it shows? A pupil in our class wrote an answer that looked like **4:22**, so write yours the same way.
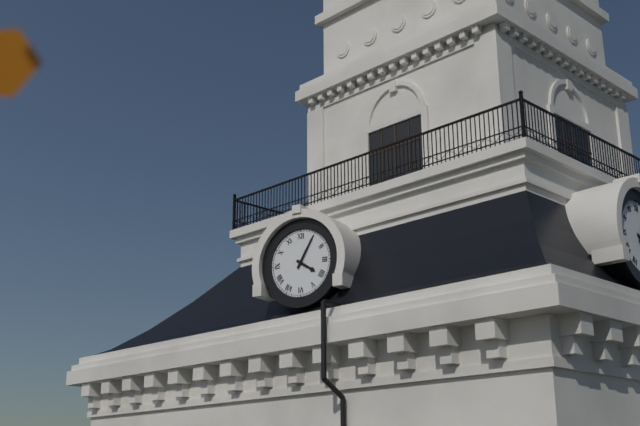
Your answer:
**4:05**
